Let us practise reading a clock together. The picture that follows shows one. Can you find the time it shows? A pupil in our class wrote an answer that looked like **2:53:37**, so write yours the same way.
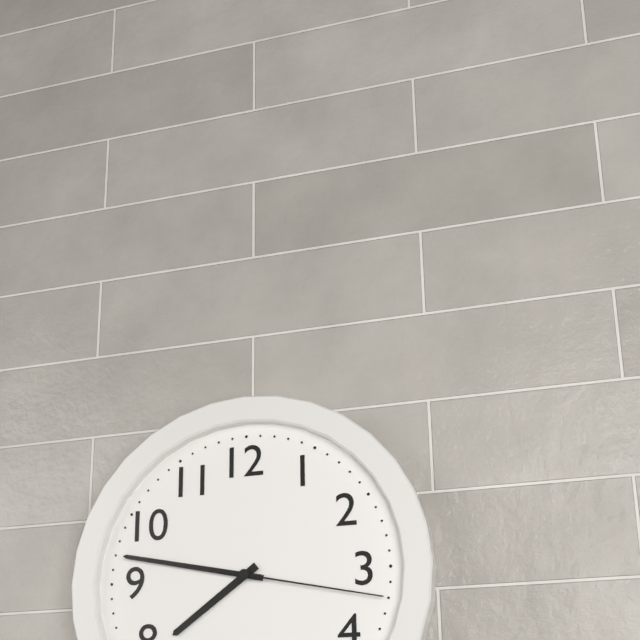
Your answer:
**7:47:17**
